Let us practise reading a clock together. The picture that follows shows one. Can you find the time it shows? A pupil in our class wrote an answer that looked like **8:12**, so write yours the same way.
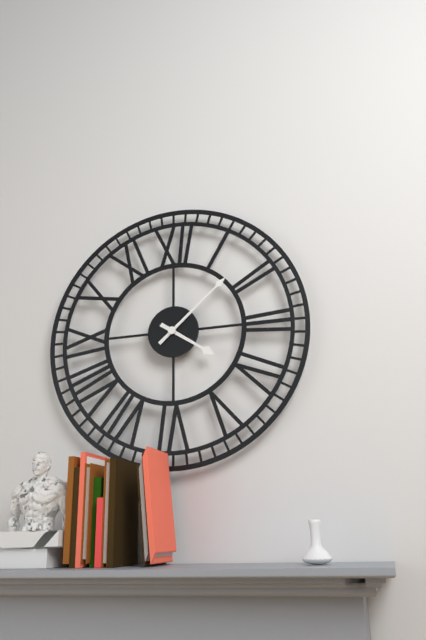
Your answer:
**4:08**
